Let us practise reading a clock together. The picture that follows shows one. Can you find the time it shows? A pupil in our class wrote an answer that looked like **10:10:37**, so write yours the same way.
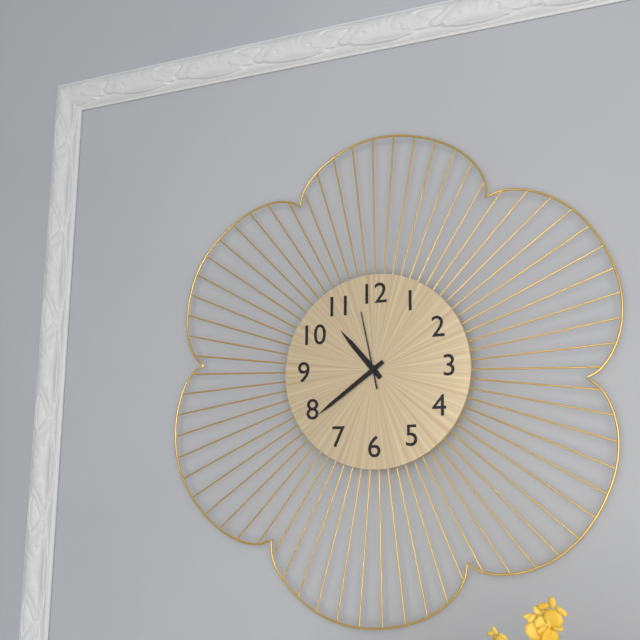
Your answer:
**10:39:58**
